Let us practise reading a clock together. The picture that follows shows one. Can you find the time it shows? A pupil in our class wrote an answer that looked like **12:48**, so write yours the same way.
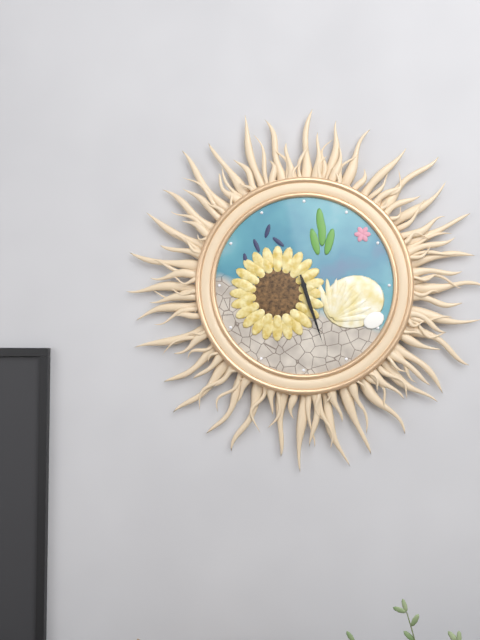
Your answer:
**5:27**
